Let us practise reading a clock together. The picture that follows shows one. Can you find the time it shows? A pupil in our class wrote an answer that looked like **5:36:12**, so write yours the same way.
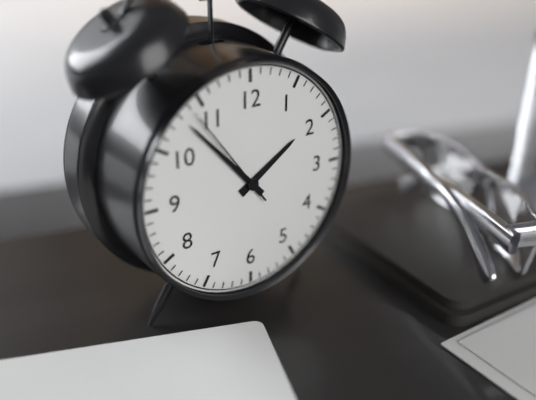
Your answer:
**1:53:54**
